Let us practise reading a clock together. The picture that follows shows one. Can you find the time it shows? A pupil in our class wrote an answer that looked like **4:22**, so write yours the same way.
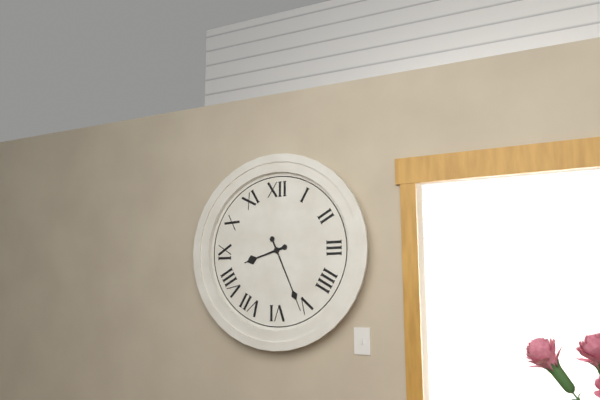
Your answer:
**8:26**
